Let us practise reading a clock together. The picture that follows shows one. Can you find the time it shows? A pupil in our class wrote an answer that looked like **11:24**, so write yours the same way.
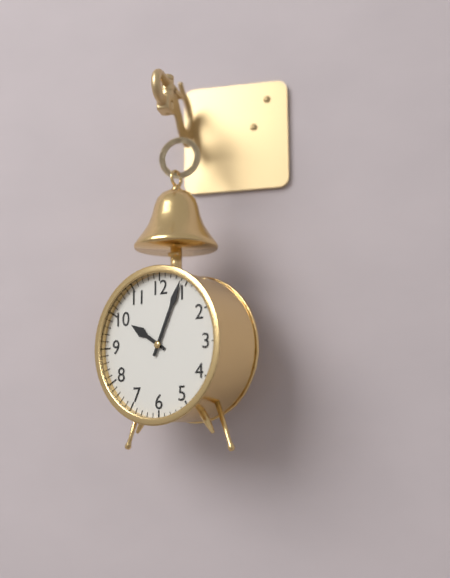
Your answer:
**10:04**
